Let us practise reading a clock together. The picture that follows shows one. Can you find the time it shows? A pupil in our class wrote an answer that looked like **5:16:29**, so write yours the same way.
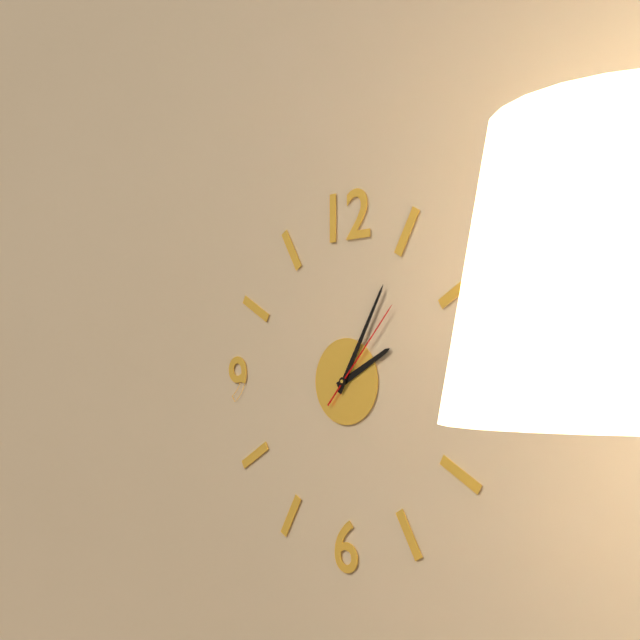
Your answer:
**2:05:07**
